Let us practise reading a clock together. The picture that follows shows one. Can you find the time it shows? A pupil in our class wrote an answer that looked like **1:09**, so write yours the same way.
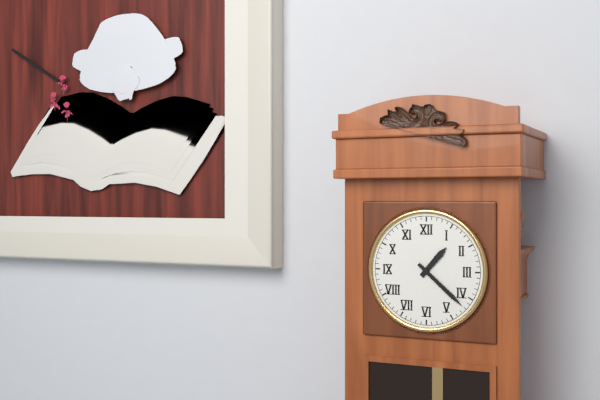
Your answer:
**1:22**
